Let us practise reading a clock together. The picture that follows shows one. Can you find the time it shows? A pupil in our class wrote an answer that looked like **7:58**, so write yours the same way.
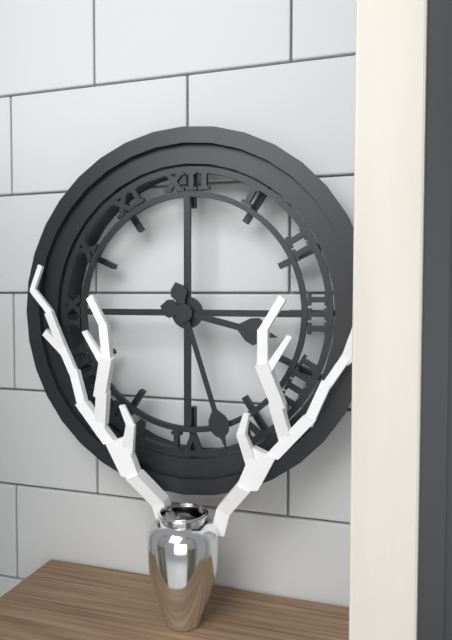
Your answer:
**3:27**
